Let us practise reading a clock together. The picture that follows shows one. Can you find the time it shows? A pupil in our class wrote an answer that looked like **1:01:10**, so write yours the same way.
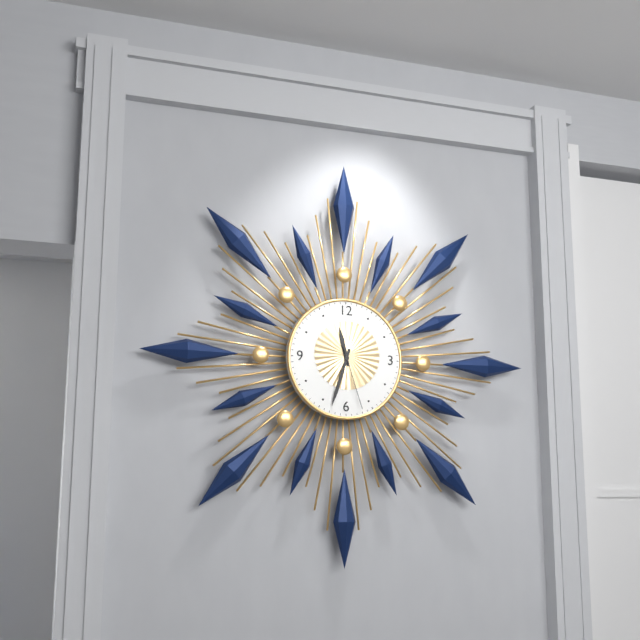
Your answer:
**11:33:27**
